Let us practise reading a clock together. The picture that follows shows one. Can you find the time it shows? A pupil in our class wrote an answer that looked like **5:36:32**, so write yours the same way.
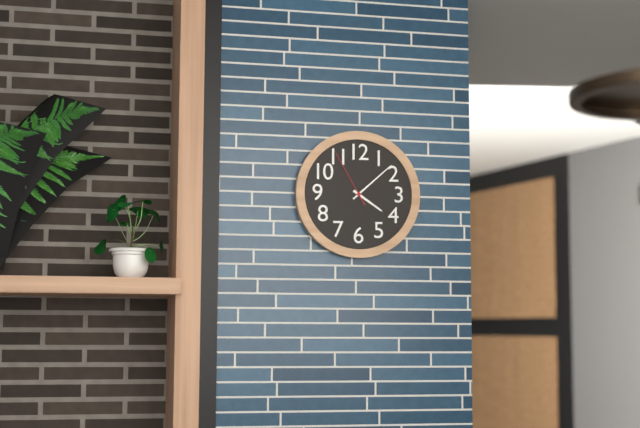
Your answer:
**4:08:55**
